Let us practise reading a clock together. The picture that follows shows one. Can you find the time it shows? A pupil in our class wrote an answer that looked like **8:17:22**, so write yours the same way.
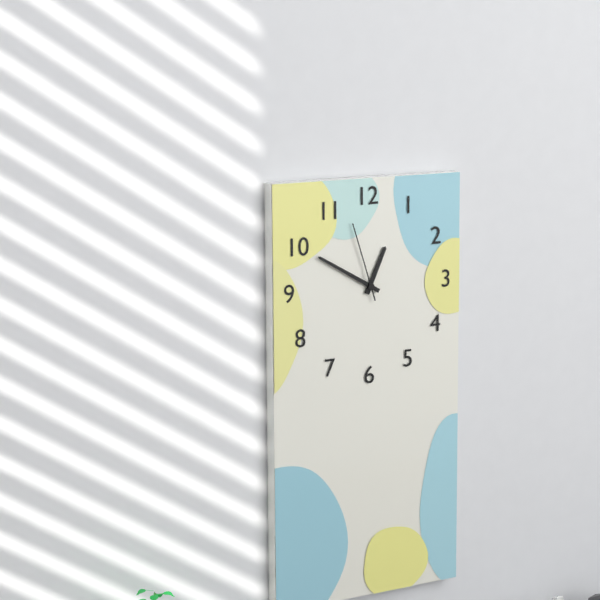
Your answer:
**12:50:57**
